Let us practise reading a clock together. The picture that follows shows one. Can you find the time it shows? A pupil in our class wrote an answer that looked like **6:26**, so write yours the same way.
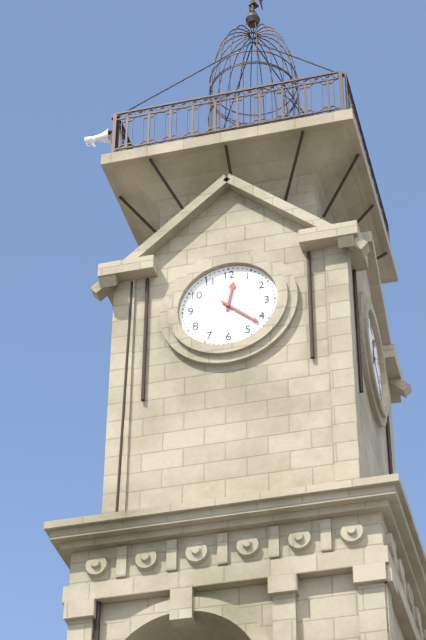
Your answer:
**12:22**
